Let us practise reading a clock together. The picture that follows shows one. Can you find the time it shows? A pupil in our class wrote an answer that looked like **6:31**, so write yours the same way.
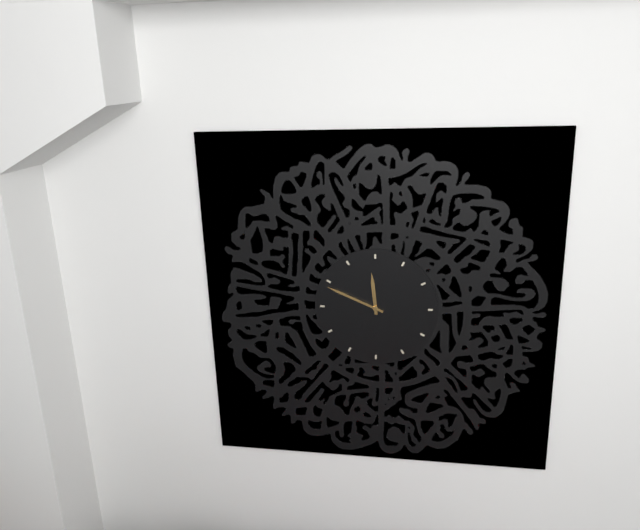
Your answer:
**11:49**
